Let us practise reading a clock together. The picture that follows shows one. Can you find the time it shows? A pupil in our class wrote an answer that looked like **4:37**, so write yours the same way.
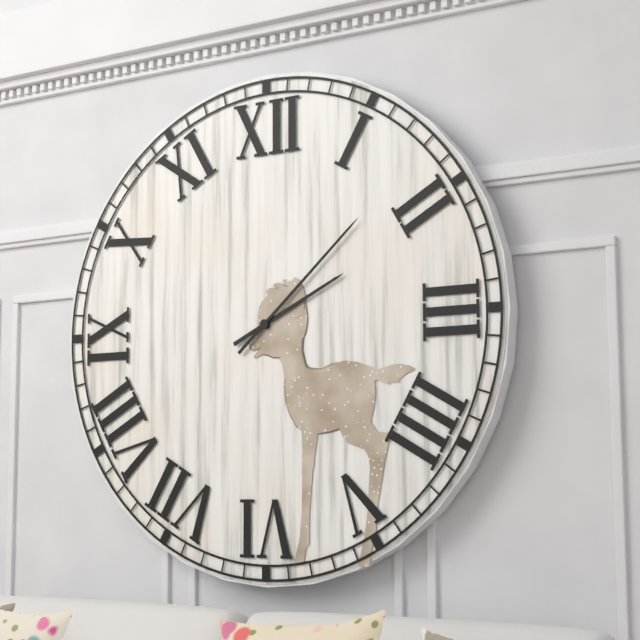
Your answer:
**2:08**
